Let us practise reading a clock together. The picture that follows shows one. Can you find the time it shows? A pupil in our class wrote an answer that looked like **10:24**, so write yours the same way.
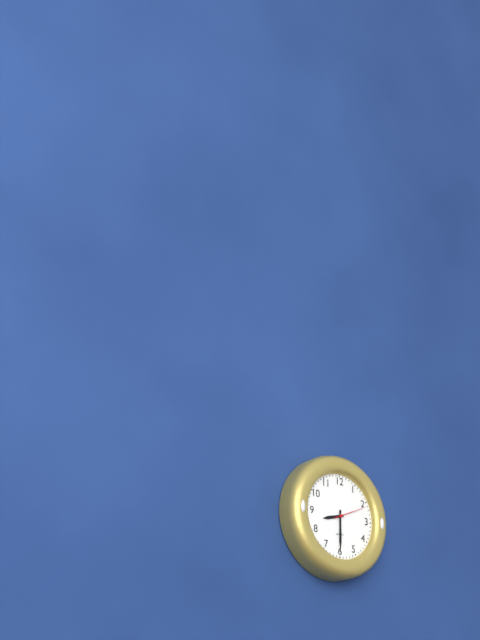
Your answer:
**8:30**
